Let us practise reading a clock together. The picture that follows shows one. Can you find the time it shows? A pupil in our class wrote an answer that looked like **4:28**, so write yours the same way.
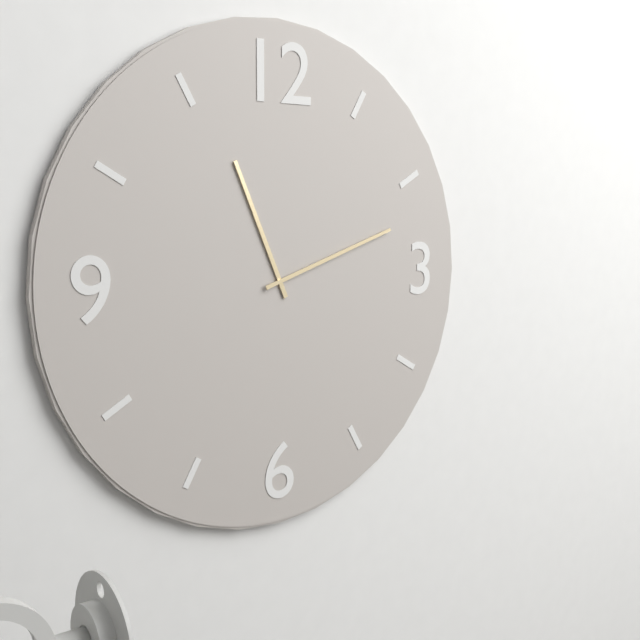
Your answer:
**11:12**
